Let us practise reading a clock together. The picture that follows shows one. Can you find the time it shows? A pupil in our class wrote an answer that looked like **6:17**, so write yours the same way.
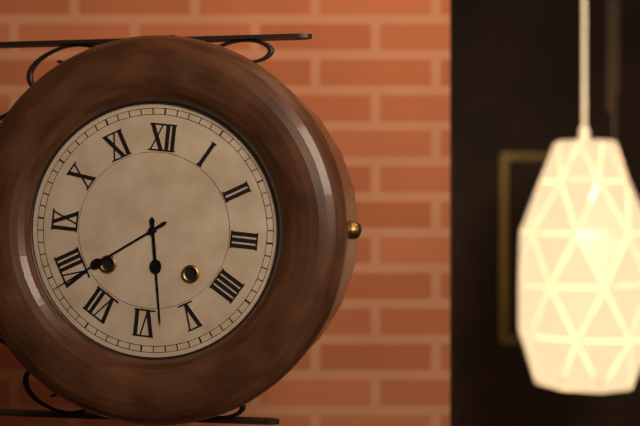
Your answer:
**5:39**
